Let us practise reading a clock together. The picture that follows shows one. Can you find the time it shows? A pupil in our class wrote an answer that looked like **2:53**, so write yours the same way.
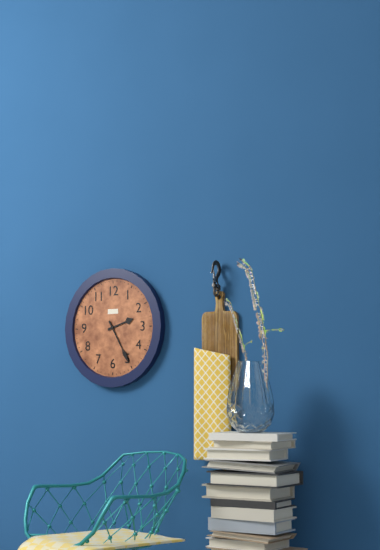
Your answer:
**2:25**
